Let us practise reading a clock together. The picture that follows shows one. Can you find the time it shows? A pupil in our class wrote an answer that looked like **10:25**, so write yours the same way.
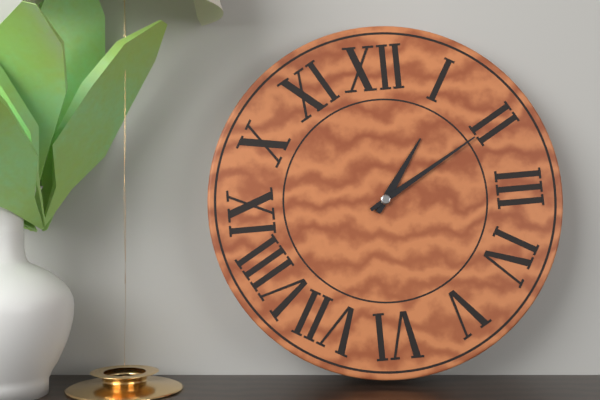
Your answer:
**1:10**
